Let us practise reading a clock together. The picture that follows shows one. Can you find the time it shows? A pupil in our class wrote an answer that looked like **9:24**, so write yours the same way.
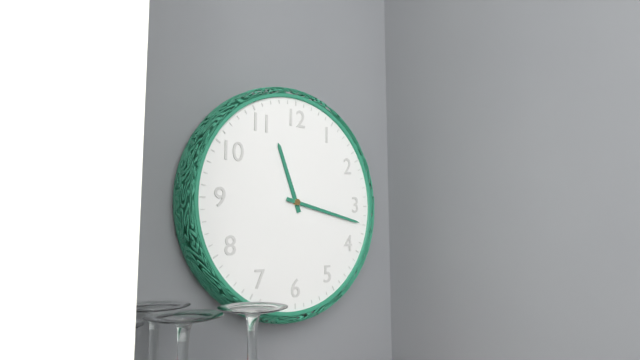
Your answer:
**11:17**
